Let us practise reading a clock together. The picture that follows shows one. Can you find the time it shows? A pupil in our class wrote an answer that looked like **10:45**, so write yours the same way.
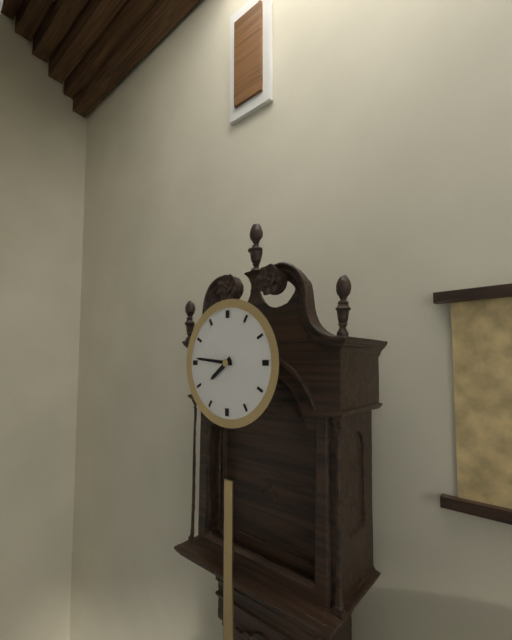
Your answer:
**7:46**
